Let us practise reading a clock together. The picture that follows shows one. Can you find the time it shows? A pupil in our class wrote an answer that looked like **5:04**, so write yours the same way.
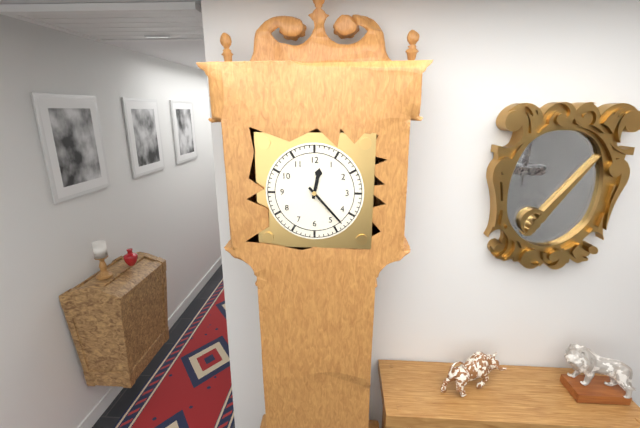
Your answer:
**12:23**
